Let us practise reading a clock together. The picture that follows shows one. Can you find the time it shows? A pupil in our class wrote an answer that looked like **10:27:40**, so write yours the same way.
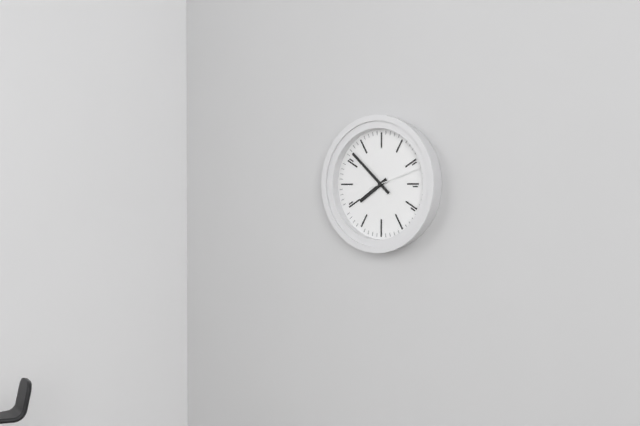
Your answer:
**7:52:12**
